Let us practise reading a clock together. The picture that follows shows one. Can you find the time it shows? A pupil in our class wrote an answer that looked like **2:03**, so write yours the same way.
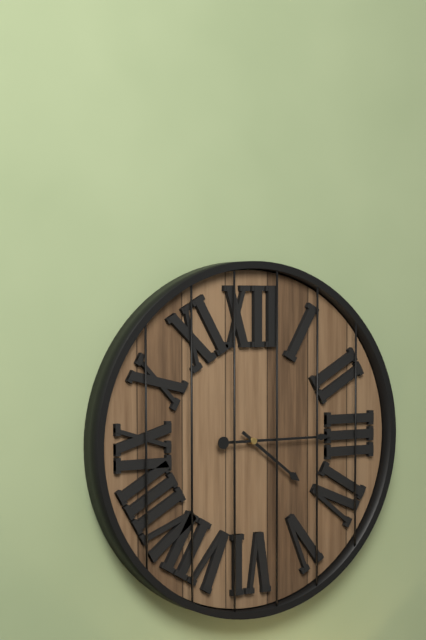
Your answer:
**4:15**
